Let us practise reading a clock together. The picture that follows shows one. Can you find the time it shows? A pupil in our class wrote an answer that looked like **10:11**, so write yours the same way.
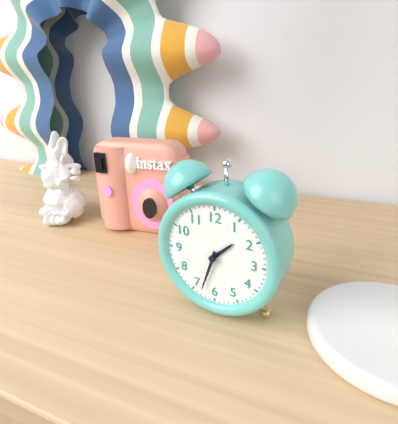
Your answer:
**1:33**
